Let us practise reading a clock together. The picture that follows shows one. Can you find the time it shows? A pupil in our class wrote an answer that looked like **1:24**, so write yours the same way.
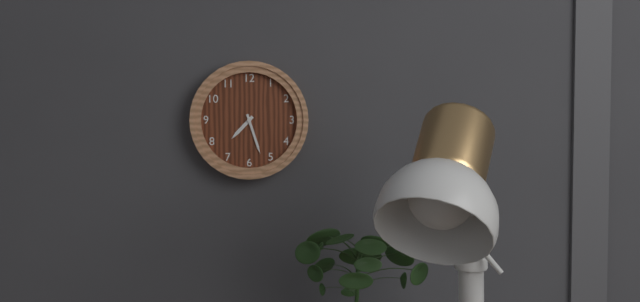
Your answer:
**7:27**
